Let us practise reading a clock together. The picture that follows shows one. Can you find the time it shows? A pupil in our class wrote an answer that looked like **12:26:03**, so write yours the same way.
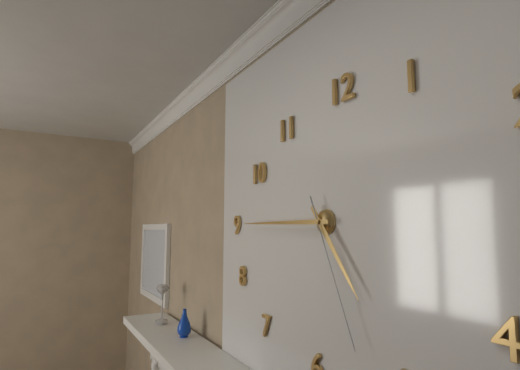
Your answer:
**4:45:26**
